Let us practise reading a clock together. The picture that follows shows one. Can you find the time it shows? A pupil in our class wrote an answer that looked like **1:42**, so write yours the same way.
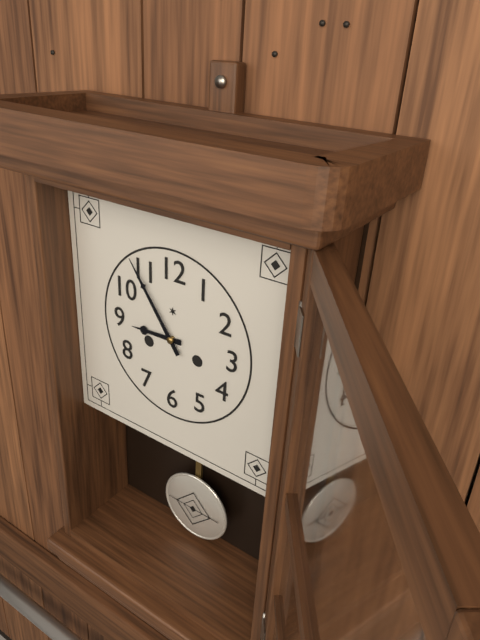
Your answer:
**8:54**
